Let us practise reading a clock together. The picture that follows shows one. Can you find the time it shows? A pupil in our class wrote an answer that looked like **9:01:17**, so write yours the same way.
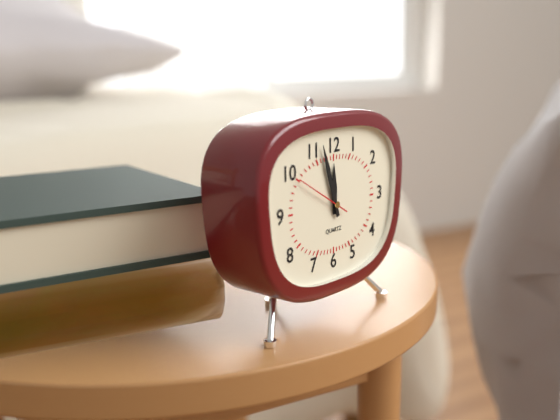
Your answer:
**11:57:50**
